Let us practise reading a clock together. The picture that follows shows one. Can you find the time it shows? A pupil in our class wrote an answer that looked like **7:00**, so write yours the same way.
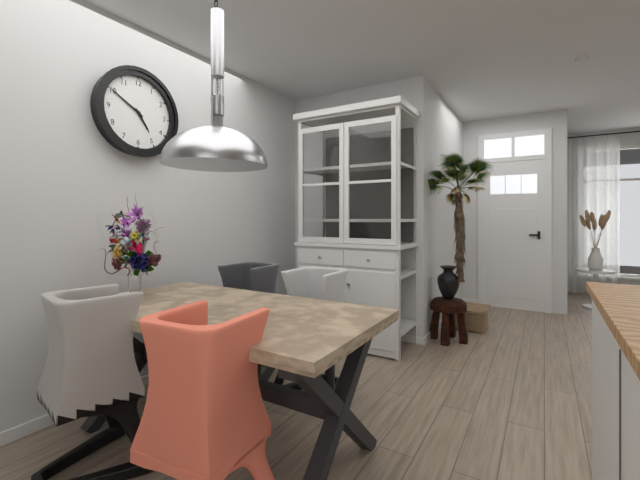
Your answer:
**4:50**
